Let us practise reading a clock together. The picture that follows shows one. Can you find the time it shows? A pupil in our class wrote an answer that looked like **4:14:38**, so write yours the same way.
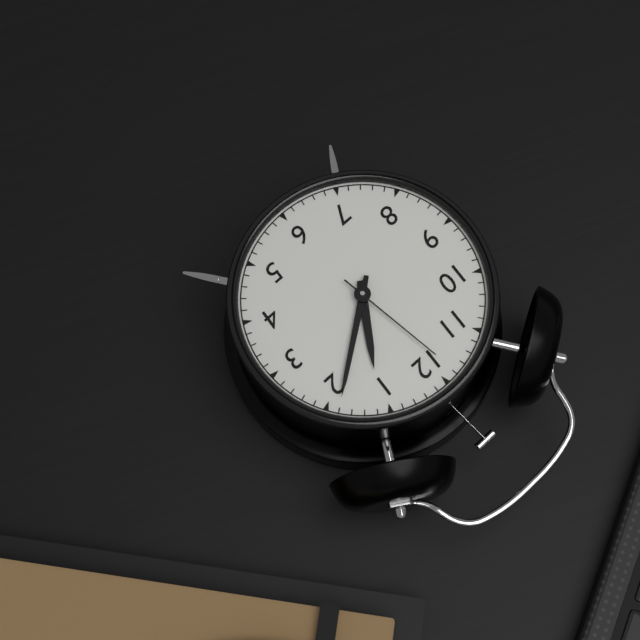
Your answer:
**1:09:59**
